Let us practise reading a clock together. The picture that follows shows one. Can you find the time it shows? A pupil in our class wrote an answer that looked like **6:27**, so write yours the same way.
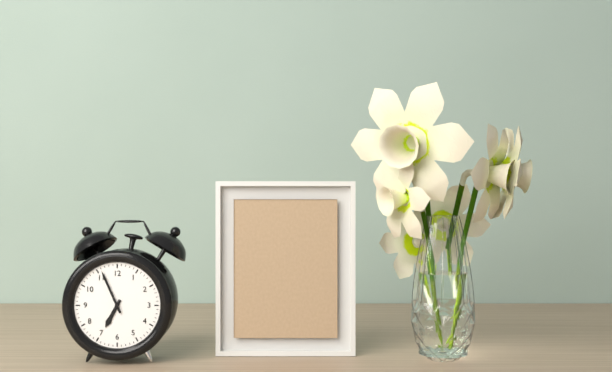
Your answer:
**6:56**
